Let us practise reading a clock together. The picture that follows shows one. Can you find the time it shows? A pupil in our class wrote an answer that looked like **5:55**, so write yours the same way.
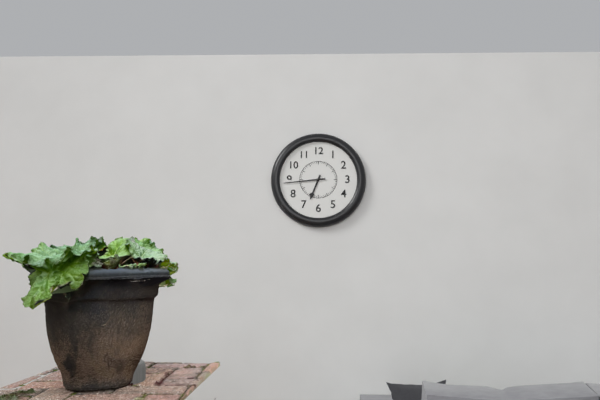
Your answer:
**6:44**
